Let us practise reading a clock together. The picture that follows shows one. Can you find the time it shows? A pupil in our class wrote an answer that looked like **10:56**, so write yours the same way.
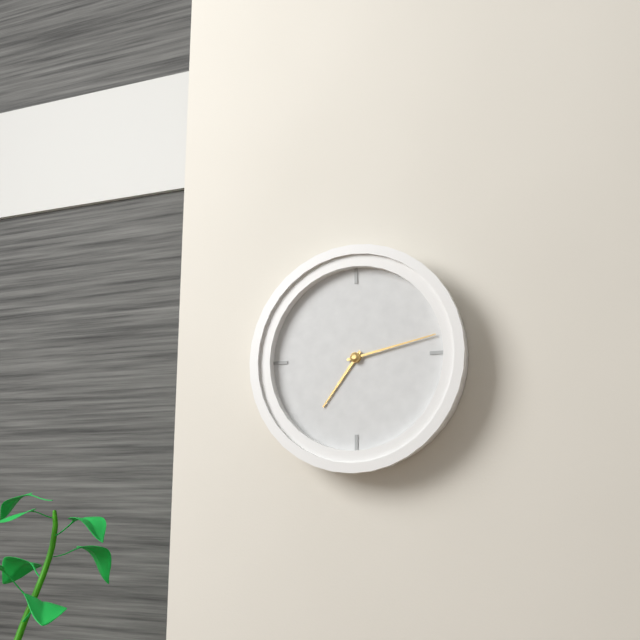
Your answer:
**7:13**
